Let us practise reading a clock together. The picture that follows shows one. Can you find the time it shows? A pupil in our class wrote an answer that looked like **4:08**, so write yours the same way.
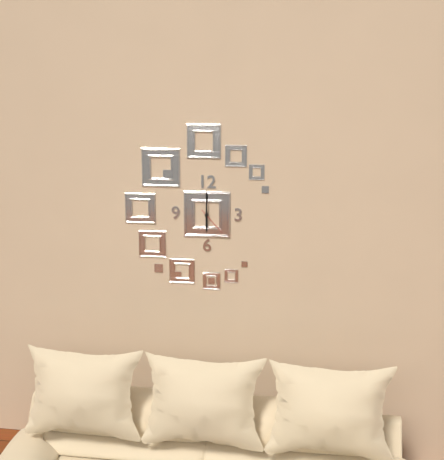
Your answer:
**6:00**
